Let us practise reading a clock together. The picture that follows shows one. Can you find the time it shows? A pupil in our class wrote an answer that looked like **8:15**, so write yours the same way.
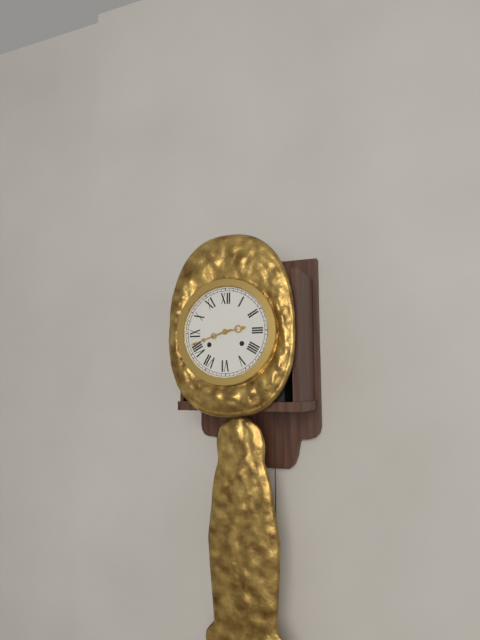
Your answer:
**2:42**
